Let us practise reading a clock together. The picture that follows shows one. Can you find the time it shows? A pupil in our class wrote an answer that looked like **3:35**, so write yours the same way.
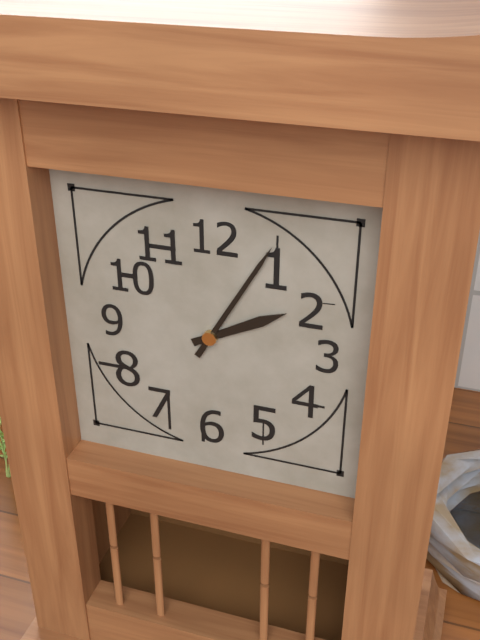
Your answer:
**2:05**
